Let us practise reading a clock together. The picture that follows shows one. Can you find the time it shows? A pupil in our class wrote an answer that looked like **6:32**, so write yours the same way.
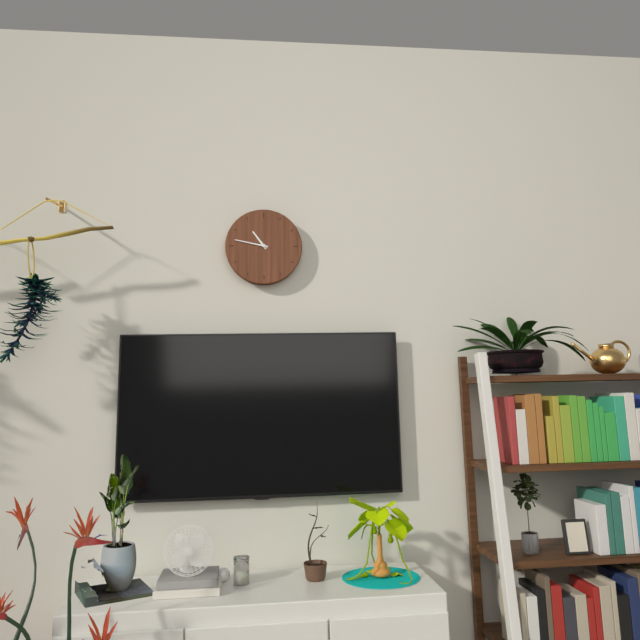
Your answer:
**10:47**
